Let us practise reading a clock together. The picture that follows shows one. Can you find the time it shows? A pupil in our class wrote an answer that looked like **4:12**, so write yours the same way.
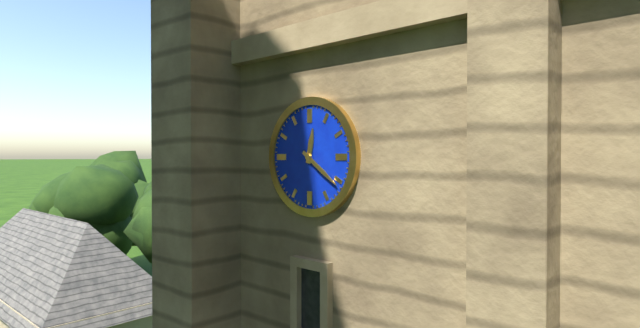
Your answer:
**12:21**
